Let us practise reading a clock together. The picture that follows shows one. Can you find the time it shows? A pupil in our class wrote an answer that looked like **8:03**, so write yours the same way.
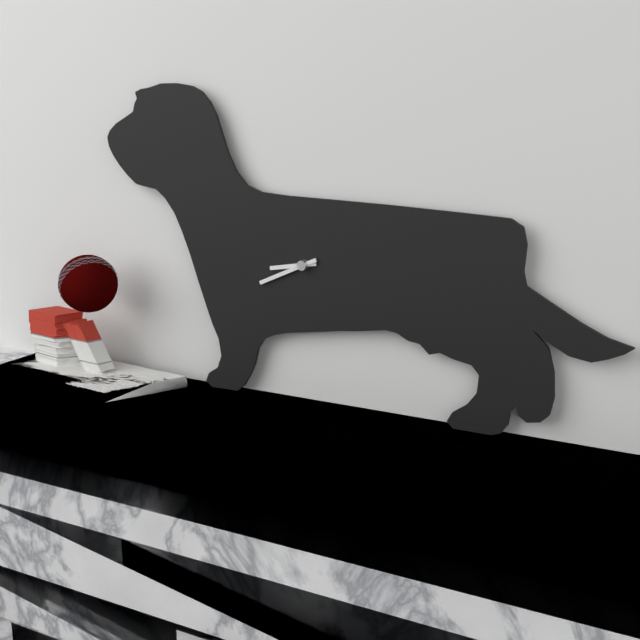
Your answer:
**8:41**
